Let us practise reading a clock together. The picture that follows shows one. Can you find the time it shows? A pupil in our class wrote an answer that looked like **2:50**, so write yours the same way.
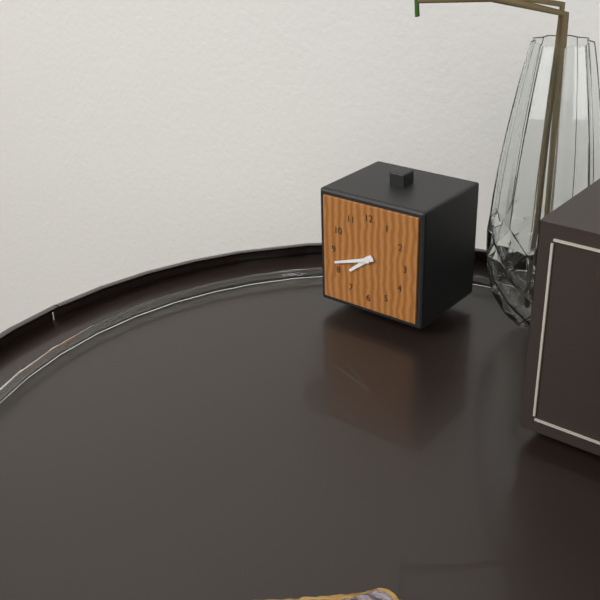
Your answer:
**7:42**
